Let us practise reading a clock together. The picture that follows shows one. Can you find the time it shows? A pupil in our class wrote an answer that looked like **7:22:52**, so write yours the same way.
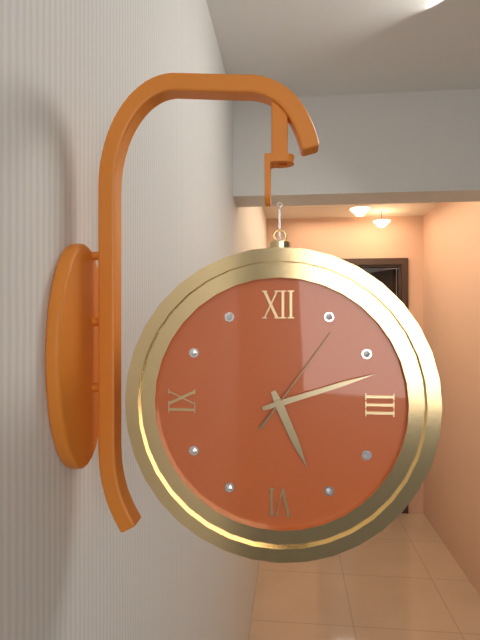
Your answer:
**5:12:06**
